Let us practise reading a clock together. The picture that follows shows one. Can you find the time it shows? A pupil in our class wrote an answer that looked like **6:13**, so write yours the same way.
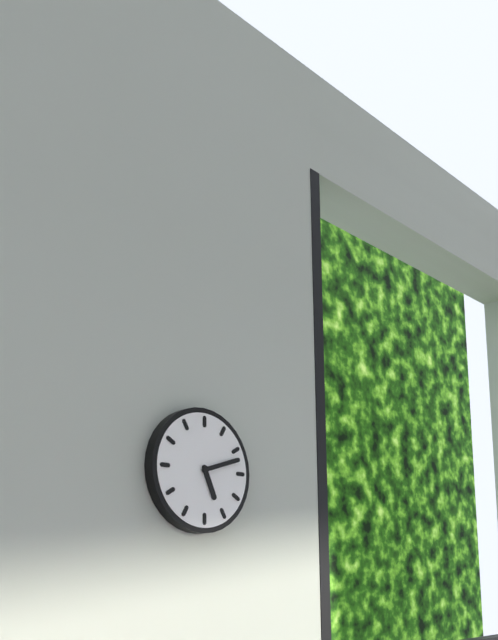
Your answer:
**5:12**
